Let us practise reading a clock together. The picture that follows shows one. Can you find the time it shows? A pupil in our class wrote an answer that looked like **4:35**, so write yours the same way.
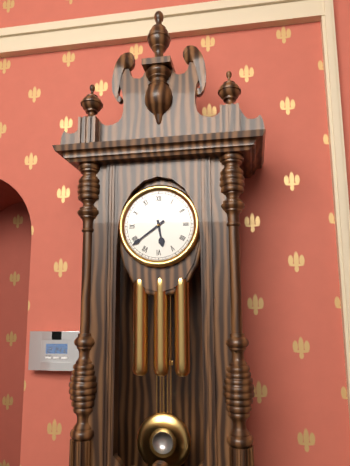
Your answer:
**5:39**
